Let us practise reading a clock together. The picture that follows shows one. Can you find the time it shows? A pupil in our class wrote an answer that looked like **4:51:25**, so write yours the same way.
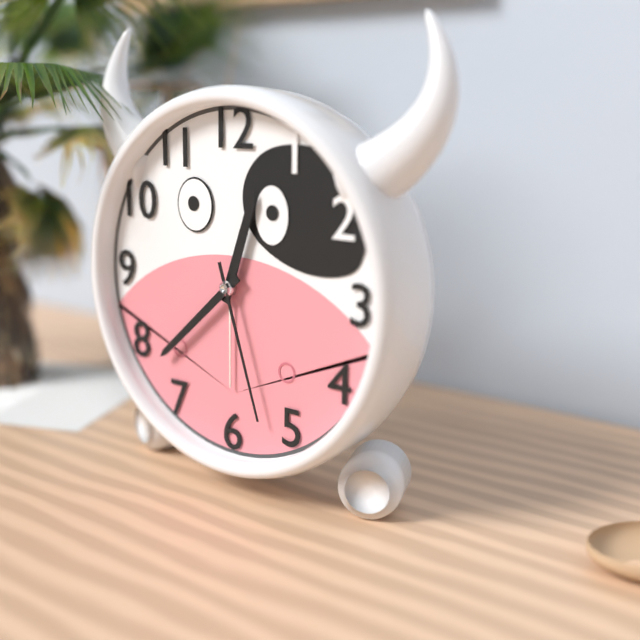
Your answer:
**12:38:27**
